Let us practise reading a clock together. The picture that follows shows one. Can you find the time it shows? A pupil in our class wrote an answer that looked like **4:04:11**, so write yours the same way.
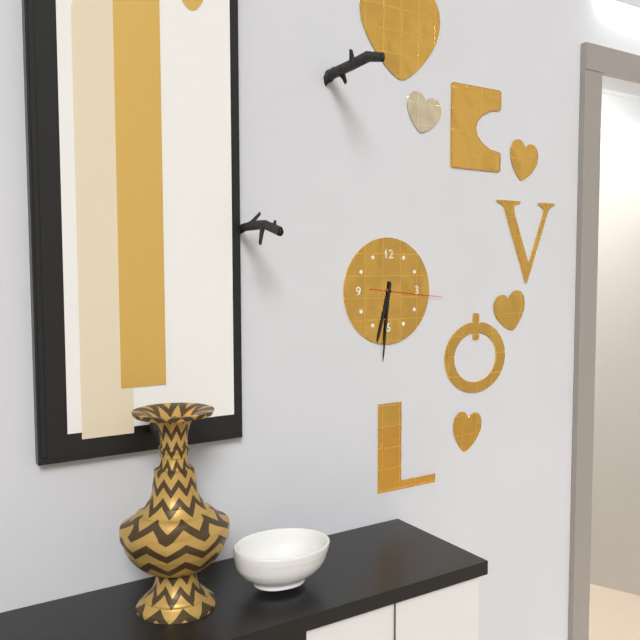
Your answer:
**6:31:16**
